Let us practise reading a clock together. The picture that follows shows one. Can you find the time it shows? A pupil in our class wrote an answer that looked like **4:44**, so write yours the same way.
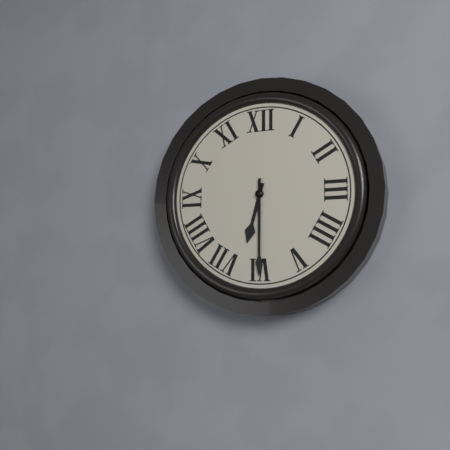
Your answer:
**6:30**
